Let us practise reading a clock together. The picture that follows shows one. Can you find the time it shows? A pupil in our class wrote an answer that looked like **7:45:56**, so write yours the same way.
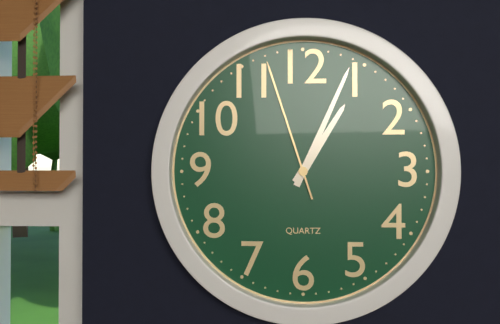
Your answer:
**1:04:57**
